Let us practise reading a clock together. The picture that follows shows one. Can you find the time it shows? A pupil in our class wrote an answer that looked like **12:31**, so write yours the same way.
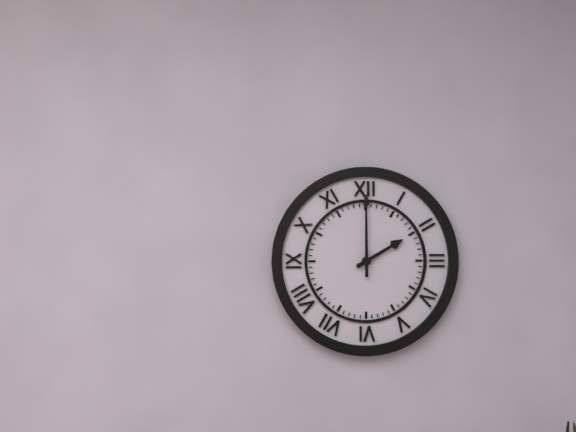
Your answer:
**2:00**
